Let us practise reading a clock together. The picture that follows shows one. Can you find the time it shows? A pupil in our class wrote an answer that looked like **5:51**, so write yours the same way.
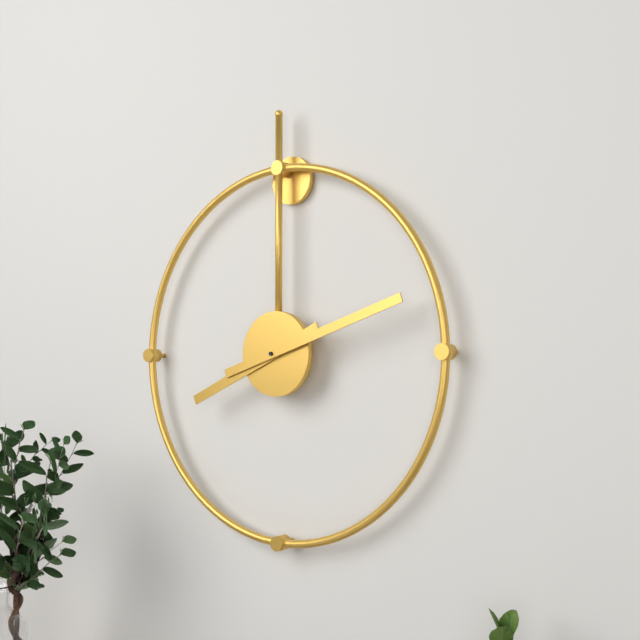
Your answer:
**8:12**
